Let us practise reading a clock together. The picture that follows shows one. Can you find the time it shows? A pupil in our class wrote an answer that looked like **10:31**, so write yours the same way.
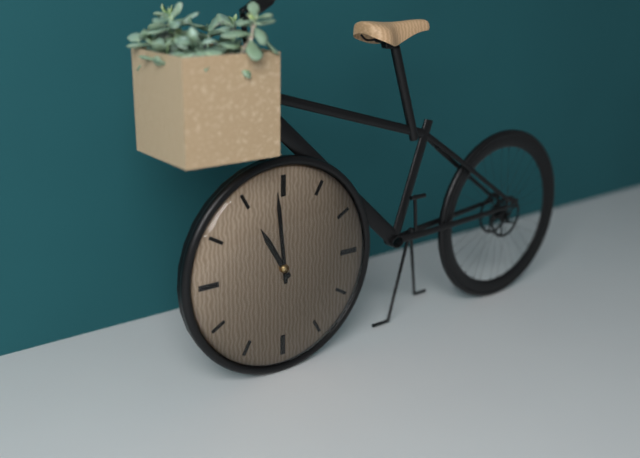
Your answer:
**10:59**
